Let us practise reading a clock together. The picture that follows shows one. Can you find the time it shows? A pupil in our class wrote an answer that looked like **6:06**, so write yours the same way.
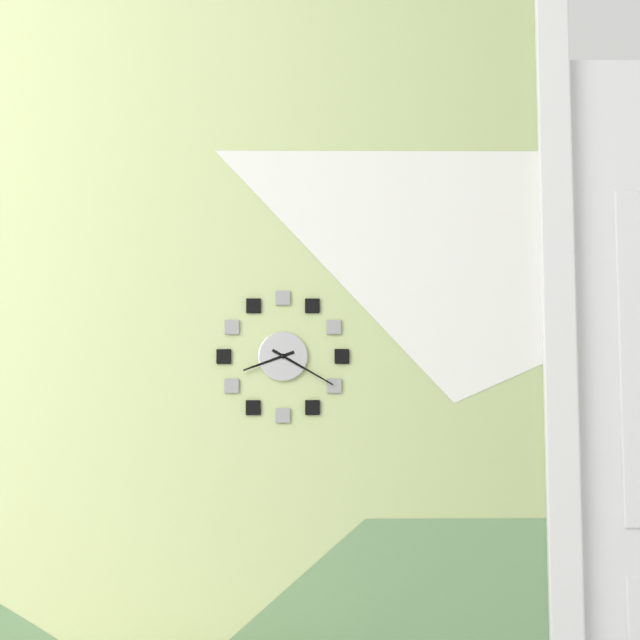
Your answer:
**8:20**
